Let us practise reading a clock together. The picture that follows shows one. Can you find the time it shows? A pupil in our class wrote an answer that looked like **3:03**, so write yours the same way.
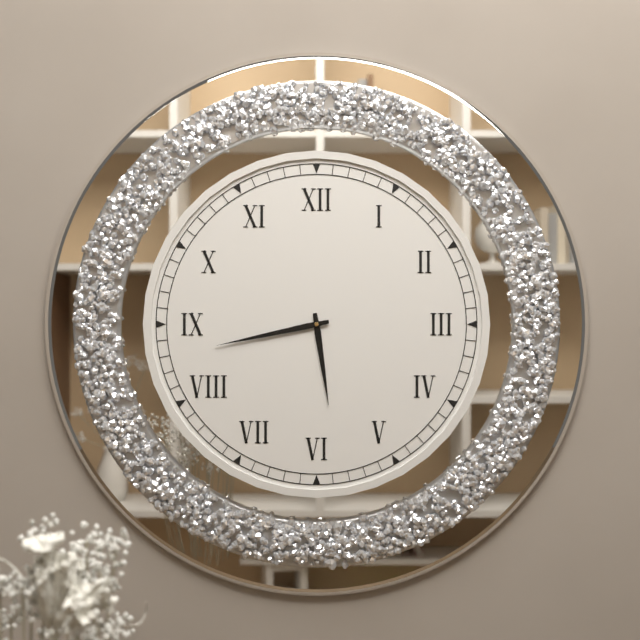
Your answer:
**5:43**
